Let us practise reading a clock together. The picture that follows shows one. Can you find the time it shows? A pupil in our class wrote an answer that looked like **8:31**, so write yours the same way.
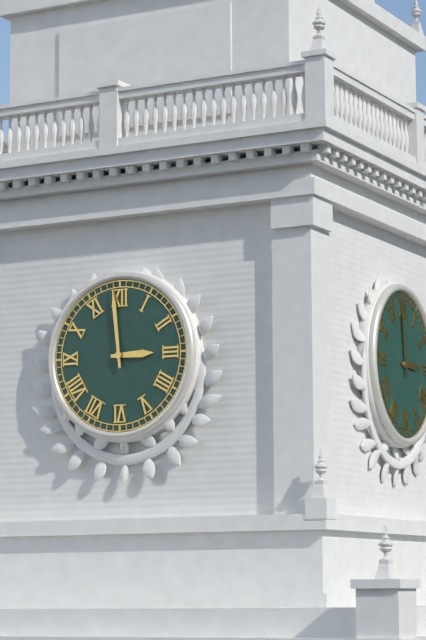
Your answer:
**2:59**
